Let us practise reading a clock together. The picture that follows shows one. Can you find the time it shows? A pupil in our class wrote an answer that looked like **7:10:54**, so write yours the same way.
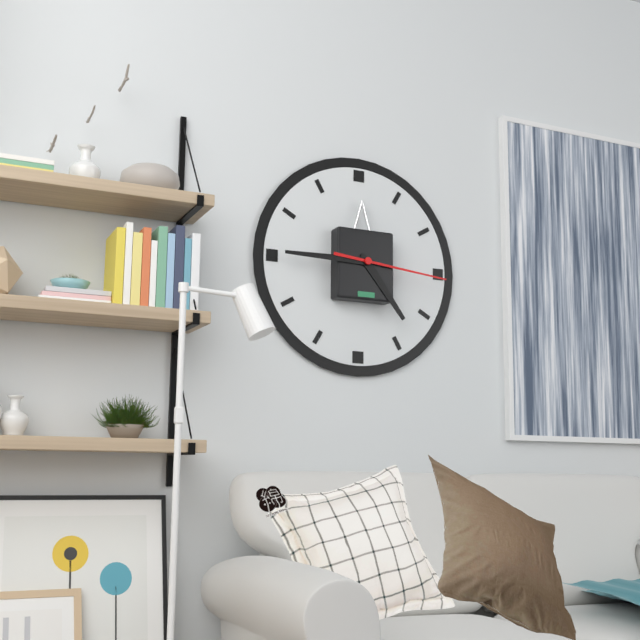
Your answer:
**4:45:16**
